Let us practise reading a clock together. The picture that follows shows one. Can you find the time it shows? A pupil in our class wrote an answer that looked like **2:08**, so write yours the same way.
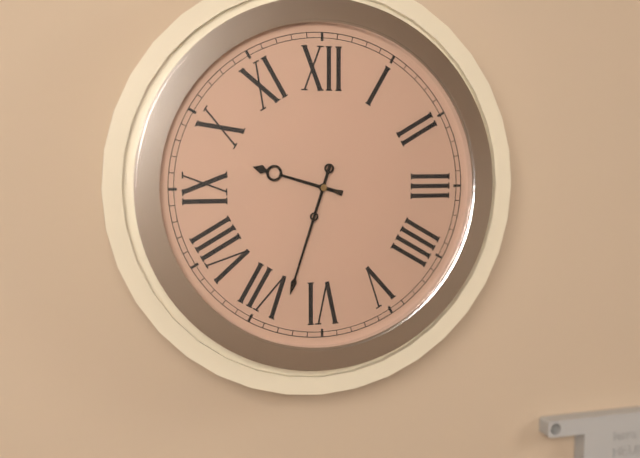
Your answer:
**9:33**
